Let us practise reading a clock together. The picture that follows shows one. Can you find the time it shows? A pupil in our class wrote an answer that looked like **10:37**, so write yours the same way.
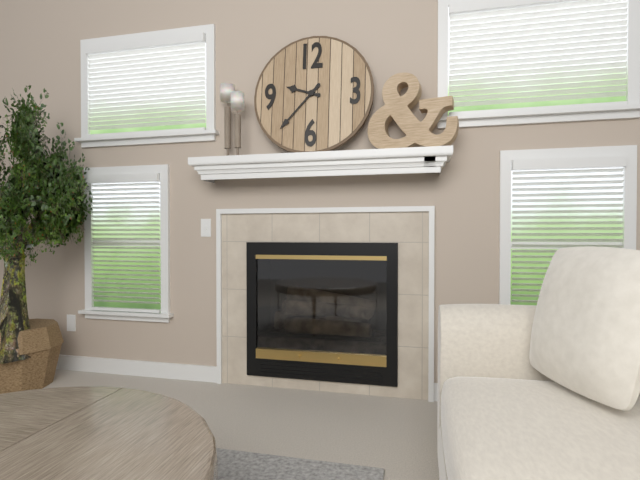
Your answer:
**9:37**
